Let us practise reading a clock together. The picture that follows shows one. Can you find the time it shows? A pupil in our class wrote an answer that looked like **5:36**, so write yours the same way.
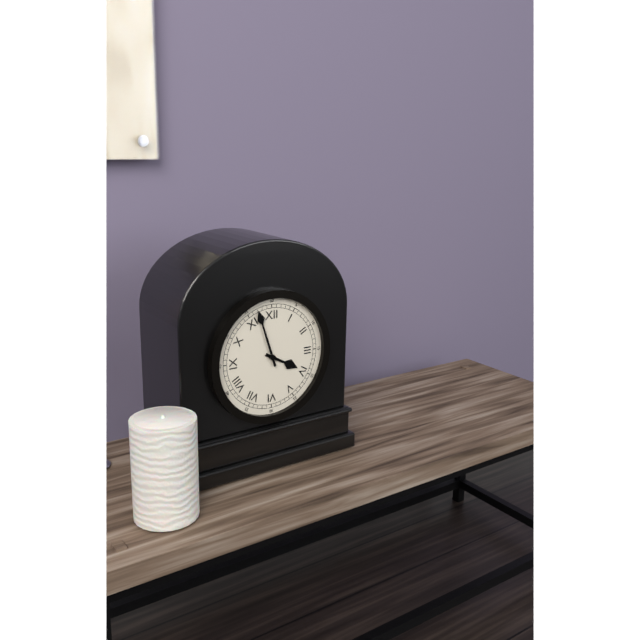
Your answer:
**3:57**
